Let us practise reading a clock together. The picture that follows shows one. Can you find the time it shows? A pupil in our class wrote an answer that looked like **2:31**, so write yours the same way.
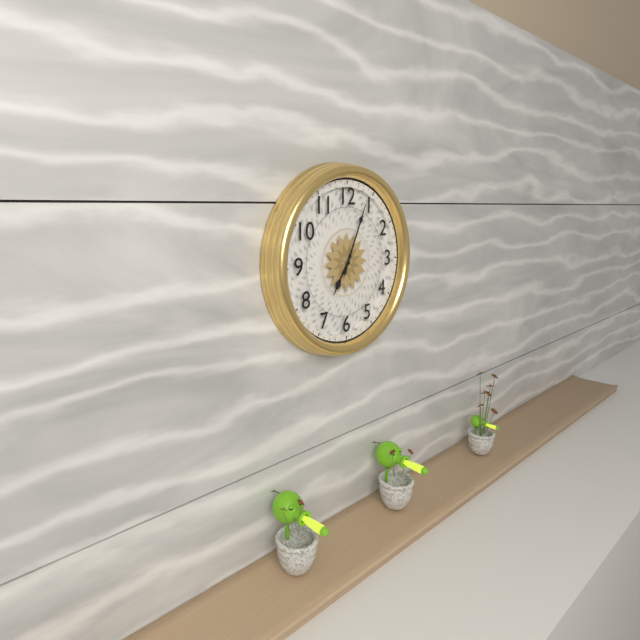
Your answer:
**7:04**
